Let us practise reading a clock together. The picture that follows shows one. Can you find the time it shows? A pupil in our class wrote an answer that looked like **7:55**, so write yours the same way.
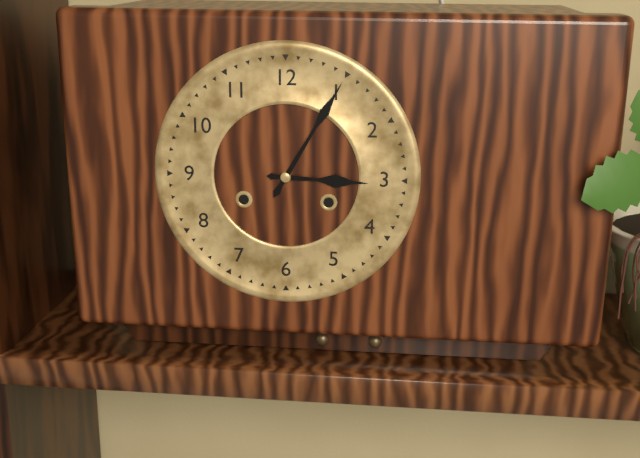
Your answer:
**3:05**
